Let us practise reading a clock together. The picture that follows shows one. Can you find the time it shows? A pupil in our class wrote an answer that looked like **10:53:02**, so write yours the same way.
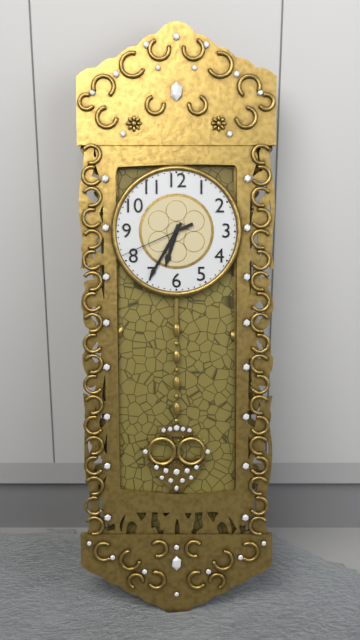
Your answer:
**6:35:41**
